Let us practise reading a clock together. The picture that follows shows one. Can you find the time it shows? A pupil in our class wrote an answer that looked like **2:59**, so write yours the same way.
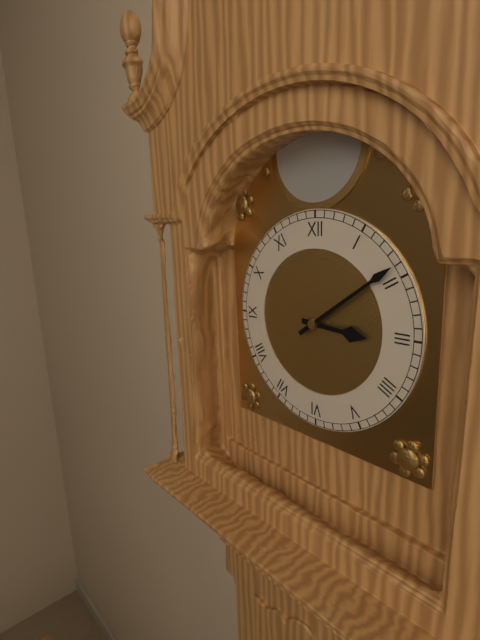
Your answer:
**3:09**
